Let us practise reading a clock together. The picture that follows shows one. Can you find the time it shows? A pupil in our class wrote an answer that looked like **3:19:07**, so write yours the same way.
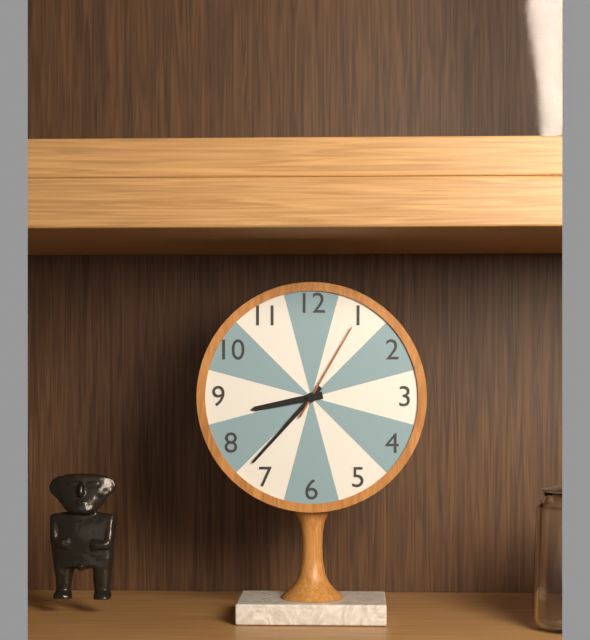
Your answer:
**8:37:05**
